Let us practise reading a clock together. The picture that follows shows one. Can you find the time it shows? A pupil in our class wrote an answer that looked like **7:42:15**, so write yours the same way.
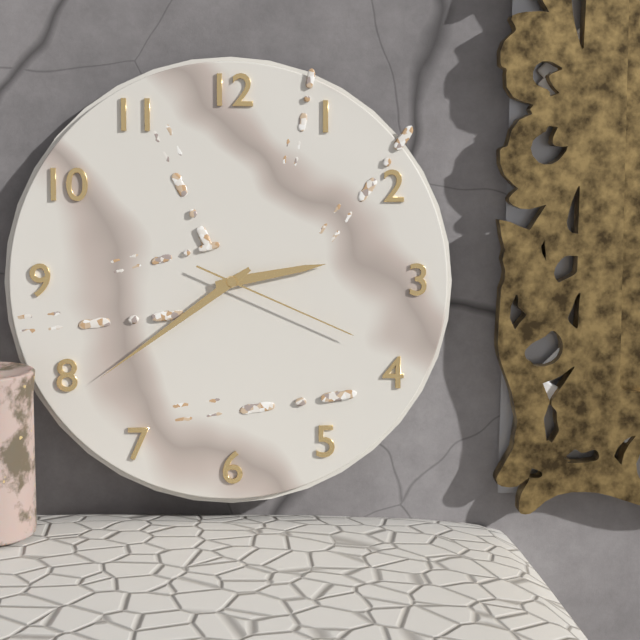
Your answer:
**2:39:19**
